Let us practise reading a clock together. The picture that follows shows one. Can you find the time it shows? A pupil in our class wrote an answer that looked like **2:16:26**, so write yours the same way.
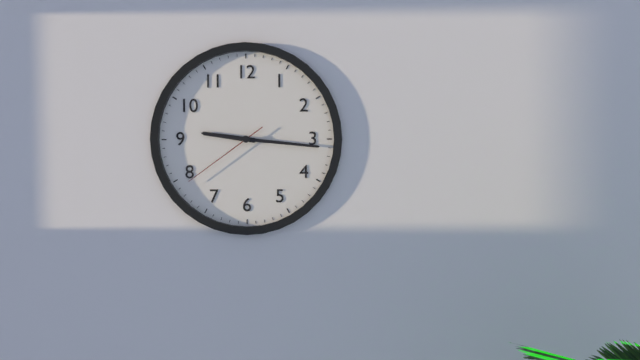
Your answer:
**9:16:39**
